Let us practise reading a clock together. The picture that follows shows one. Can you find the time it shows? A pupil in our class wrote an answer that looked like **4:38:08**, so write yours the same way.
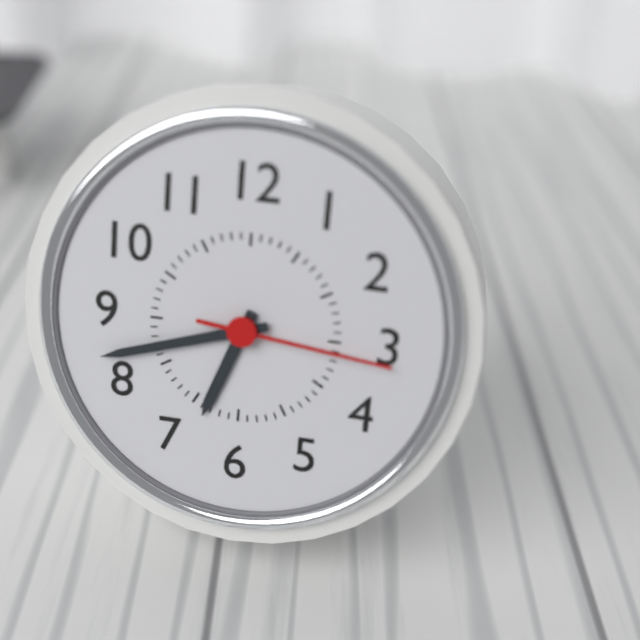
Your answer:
**6:42:16**
